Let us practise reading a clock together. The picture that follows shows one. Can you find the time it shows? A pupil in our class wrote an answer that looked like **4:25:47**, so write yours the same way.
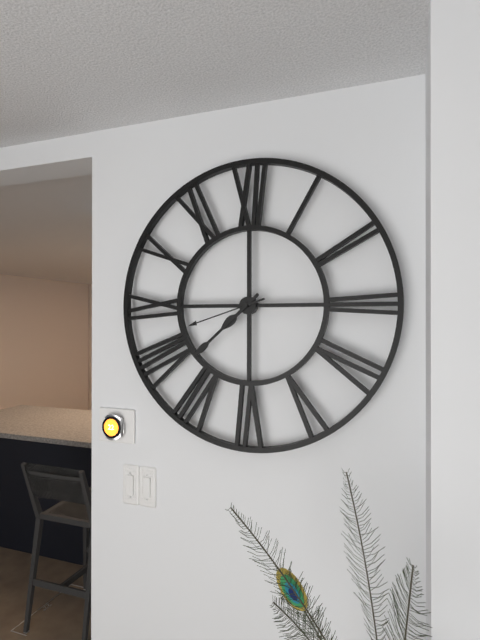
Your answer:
**7:38:42**
